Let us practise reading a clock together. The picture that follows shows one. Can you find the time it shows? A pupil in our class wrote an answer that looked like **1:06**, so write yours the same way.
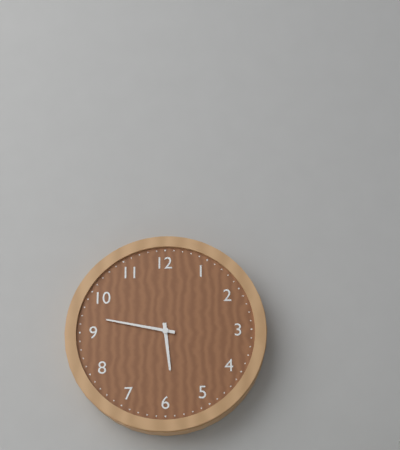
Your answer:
**5:47**
